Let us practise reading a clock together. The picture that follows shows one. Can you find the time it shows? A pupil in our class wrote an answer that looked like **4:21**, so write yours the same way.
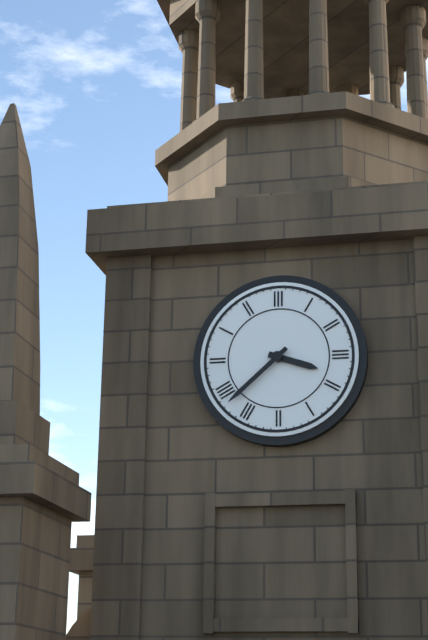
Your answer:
**3:38**
